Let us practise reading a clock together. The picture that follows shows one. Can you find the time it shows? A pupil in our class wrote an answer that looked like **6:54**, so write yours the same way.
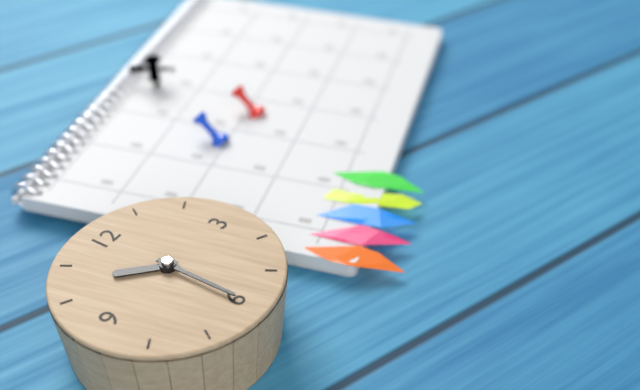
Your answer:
**10:30**
